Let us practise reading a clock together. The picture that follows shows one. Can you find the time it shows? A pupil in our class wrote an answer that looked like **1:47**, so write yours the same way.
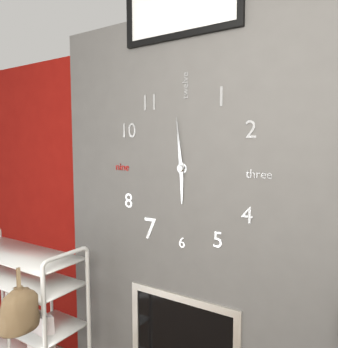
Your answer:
**5:59**
